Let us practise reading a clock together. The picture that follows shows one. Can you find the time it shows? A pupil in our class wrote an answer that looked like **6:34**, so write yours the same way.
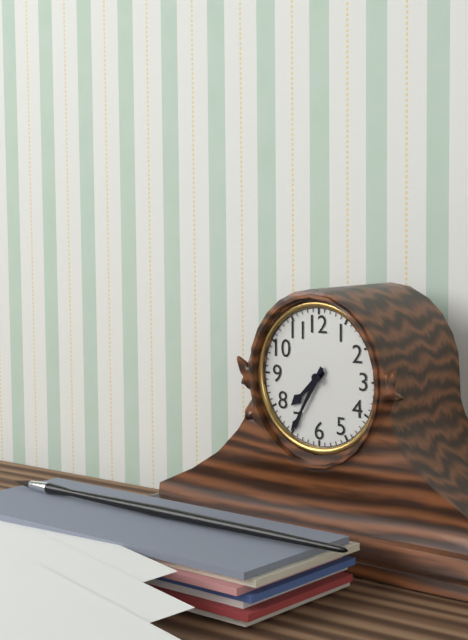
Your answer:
**7:35**
